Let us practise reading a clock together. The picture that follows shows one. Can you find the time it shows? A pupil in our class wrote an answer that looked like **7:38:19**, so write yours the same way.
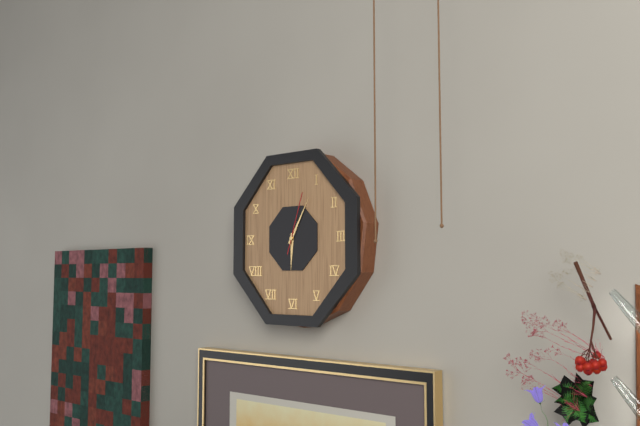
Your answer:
**6:05:03**
